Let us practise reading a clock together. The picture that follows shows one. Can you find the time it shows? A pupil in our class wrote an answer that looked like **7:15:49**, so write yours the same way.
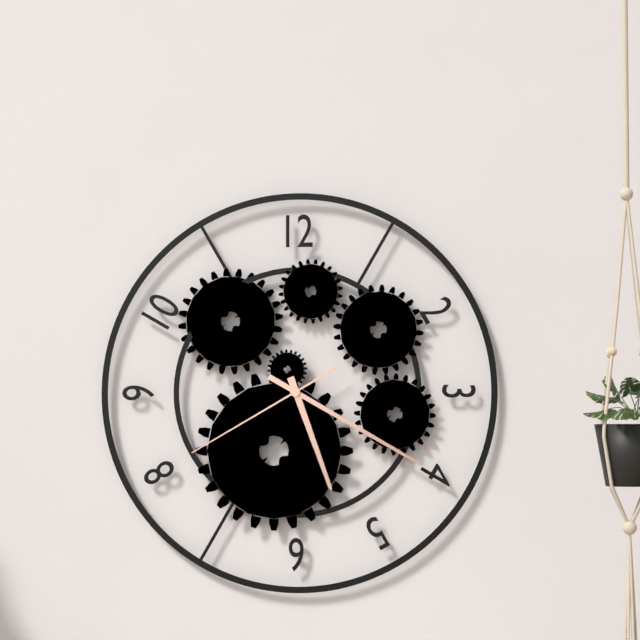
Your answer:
**5:20:40**
